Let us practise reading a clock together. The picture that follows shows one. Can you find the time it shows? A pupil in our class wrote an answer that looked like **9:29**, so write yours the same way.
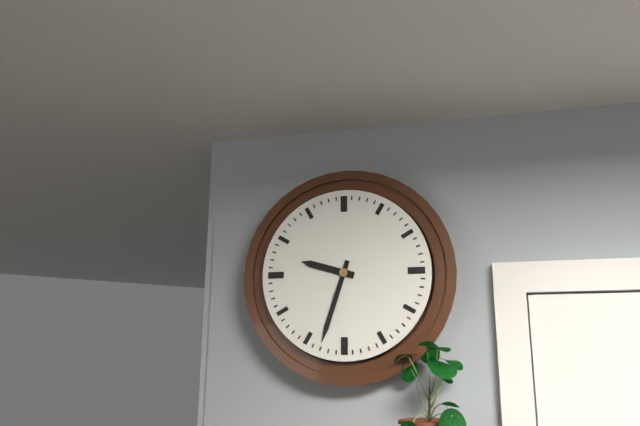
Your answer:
**9:33**
